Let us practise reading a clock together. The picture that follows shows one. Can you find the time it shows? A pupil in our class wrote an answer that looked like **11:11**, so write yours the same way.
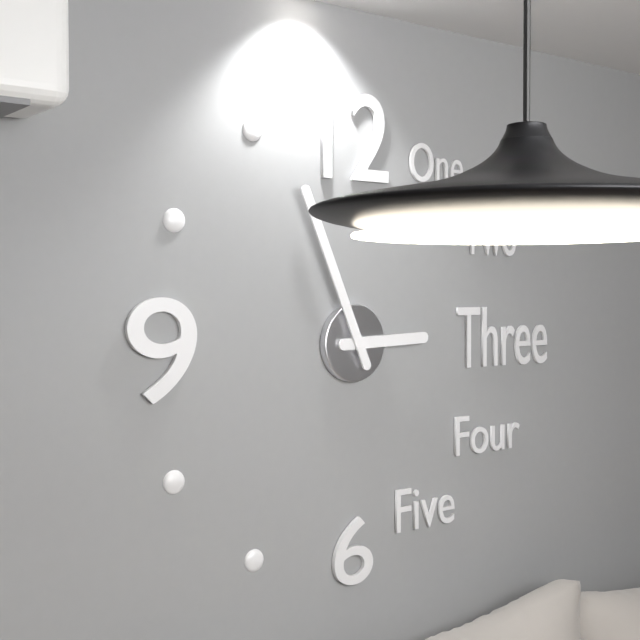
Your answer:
**2:56**
